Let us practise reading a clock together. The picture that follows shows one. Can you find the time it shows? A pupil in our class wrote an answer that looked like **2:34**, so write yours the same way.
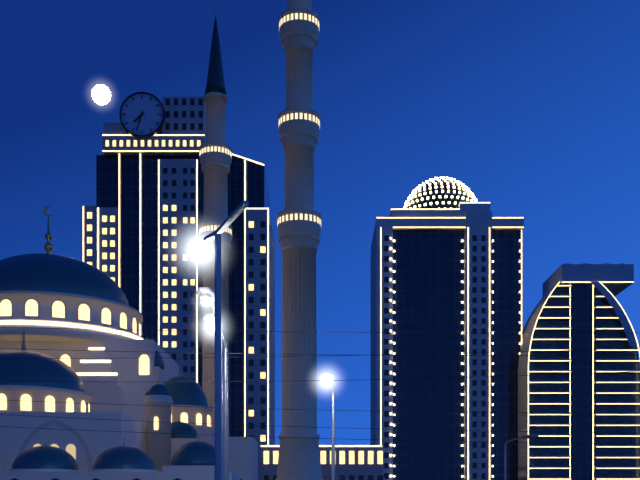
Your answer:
**7:33**
